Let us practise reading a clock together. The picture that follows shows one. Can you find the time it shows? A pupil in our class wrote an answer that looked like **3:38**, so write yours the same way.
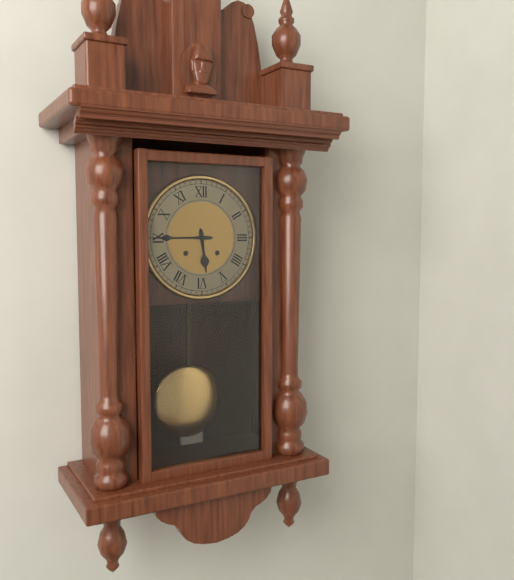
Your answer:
**5:45**
